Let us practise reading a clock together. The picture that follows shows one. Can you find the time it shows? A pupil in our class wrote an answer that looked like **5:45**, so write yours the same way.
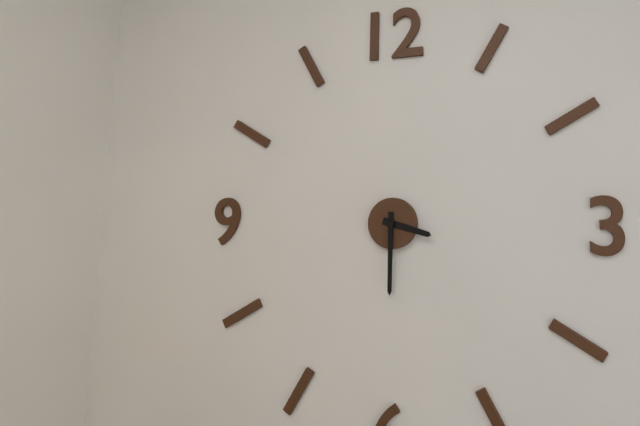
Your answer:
**3:30**
